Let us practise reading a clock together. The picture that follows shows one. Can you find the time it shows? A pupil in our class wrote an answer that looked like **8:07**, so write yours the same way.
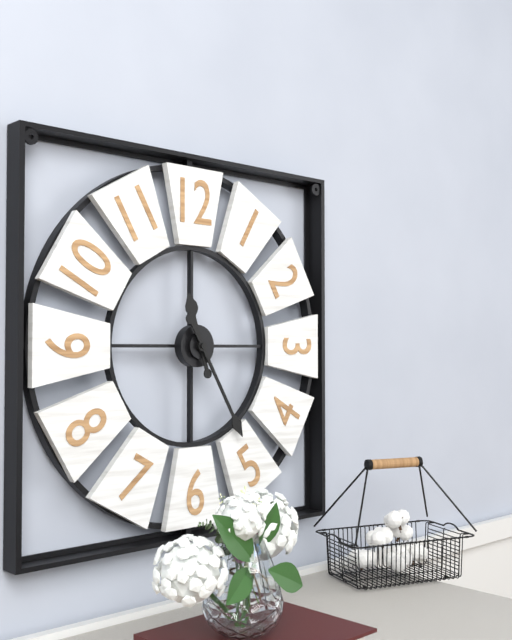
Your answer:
**11:25**
